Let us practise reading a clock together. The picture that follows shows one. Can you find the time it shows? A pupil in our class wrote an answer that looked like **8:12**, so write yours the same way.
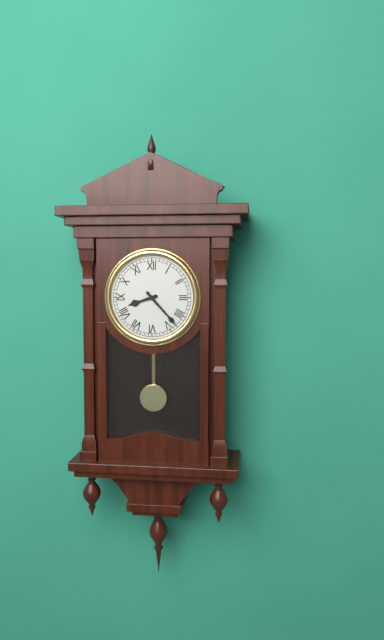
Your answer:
**8:23**
